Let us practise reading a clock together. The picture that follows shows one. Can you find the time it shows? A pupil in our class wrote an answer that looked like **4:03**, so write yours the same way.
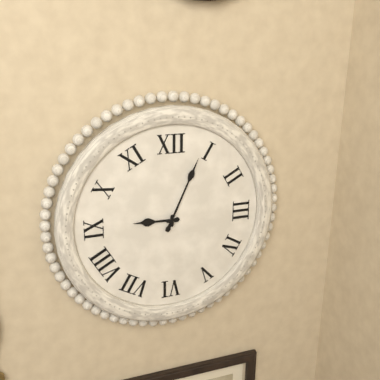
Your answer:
**9:04**
